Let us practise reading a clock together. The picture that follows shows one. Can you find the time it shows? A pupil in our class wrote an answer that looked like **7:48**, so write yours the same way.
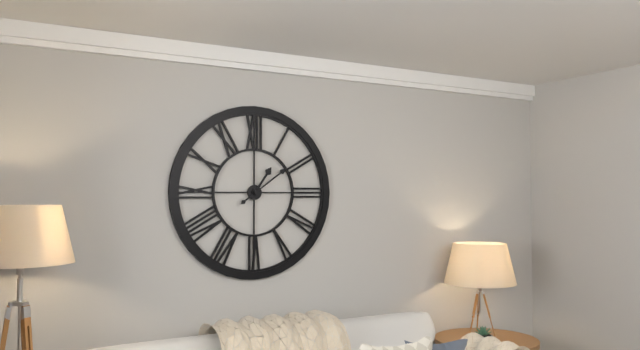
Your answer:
**1:09**
